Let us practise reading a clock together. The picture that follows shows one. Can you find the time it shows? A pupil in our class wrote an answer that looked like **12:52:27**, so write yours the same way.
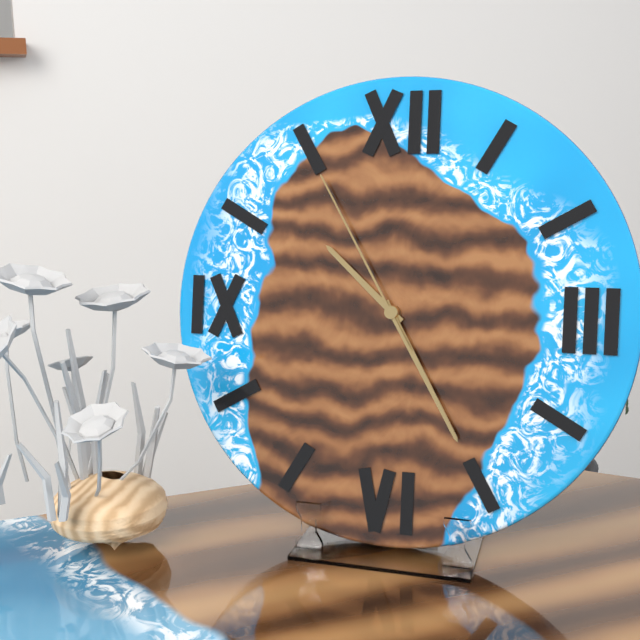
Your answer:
**10:25:55**
